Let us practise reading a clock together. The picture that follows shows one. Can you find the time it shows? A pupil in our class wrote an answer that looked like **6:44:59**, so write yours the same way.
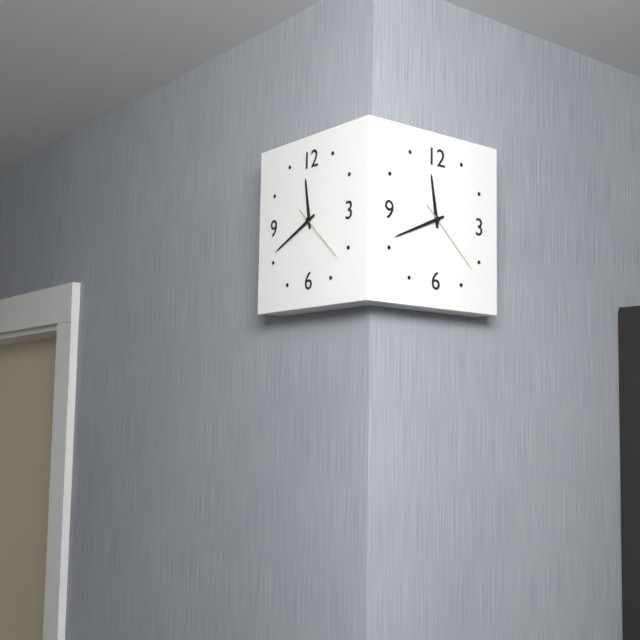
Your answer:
**11:41:22**
